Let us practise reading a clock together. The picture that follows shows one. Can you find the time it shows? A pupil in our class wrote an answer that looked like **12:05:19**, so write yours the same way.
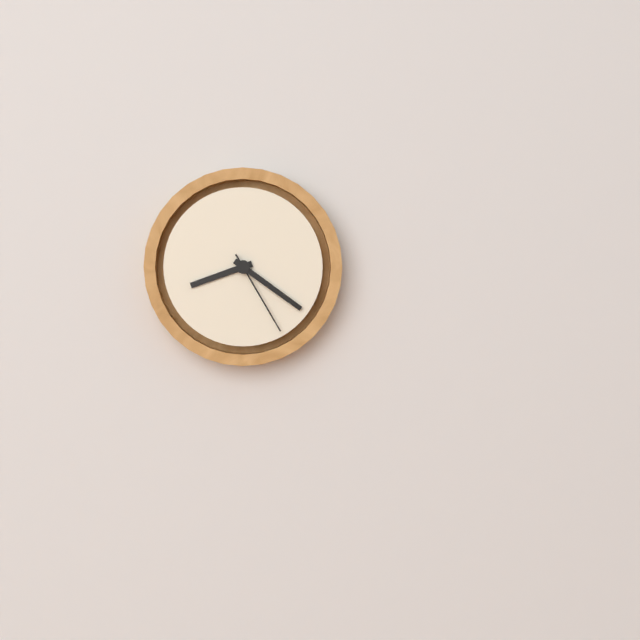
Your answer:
**8:21:25**
